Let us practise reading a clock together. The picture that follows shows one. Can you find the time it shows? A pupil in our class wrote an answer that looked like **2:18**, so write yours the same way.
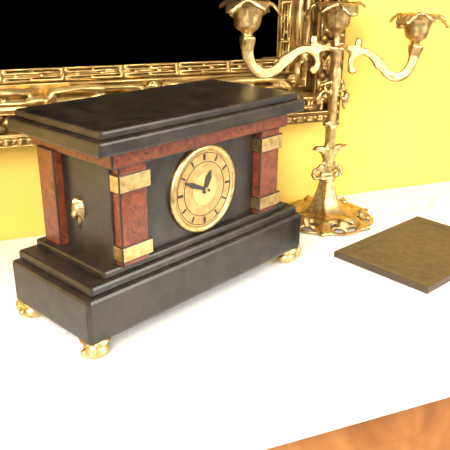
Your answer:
**12:49**
